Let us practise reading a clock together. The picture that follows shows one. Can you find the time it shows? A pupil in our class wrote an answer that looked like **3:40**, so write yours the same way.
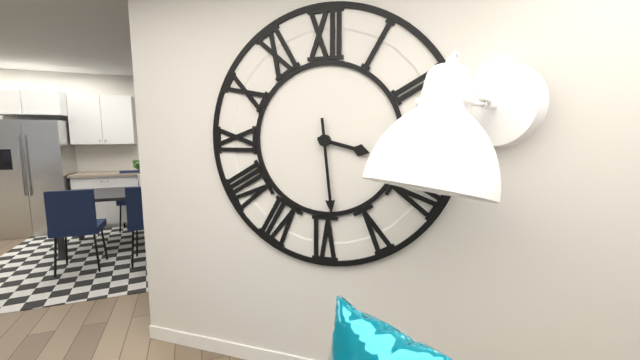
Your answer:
**3:29**
